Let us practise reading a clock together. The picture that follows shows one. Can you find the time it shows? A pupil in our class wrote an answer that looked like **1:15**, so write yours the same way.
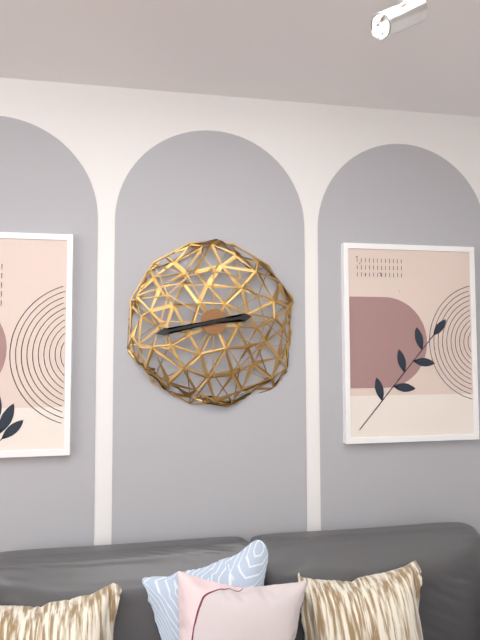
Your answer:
**2:43**
